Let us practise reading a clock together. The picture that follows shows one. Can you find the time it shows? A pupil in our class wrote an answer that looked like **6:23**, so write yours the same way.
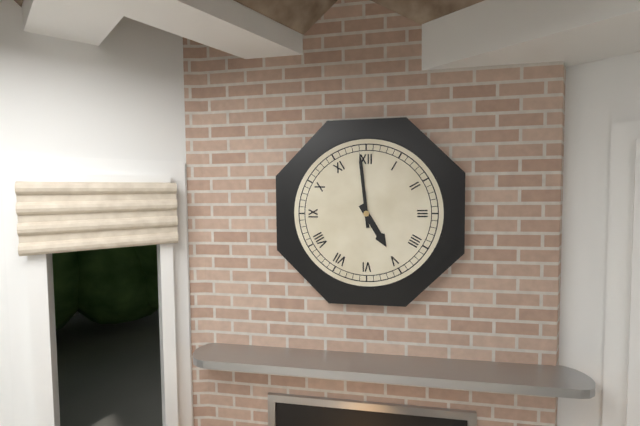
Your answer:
**4:59**
